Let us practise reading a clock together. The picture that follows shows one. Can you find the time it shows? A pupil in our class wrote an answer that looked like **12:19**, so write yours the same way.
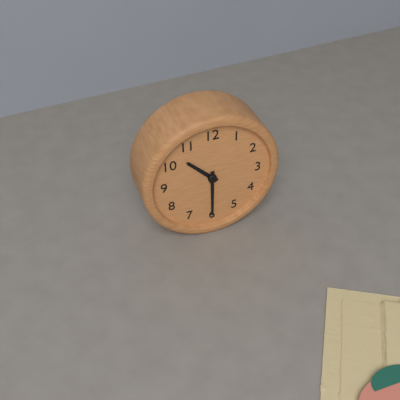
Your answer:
**10:30**
